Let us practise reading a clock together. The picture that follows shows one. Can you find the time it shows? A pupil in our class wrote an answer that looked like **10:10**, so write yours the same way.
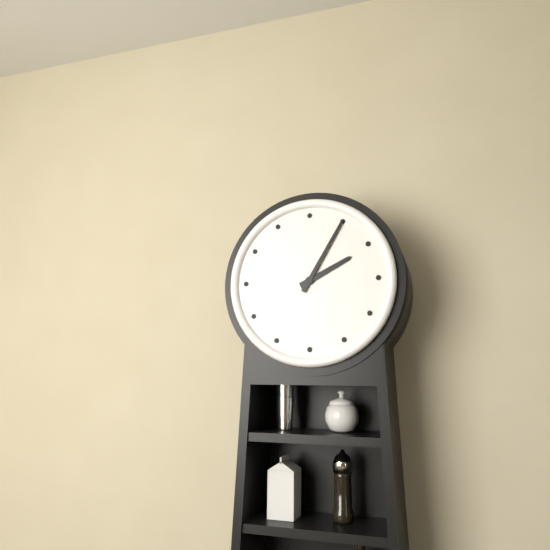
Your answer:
**2:05**
